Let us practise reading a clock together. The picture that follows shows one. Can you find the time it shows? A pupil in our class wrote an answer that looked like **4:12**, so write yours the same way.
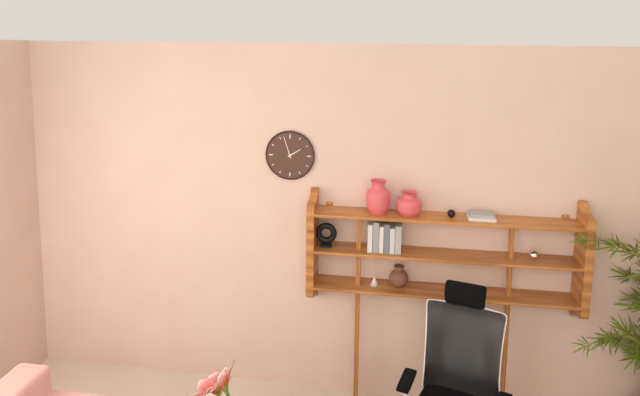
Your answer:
**1:57**
